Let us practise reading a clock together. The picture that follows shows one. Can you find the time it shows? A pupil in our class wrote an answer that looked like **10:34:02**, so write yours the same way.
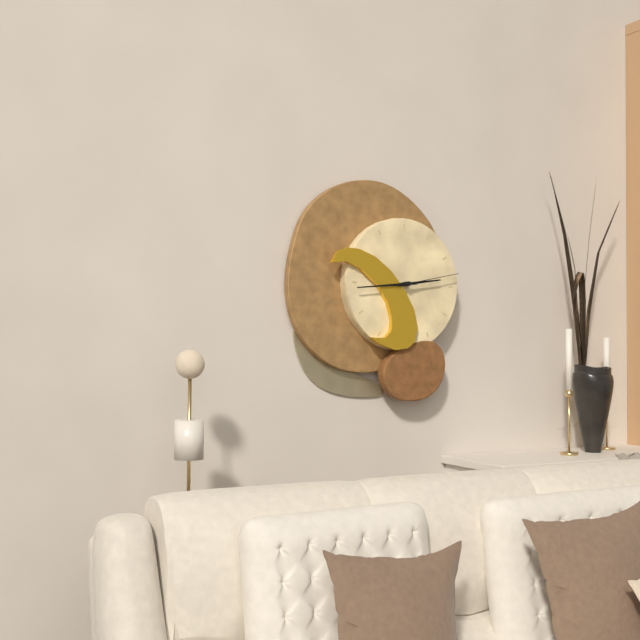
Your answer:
**2:44:13**
